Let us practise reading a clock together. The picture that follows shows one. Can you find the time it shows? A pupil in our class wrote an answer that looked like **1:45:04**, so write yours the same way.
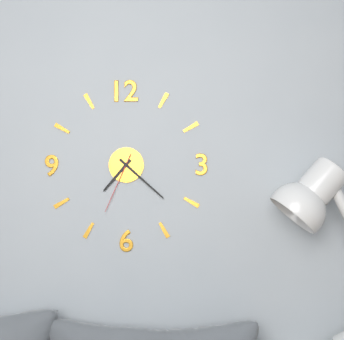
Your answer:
**7:22:34**
